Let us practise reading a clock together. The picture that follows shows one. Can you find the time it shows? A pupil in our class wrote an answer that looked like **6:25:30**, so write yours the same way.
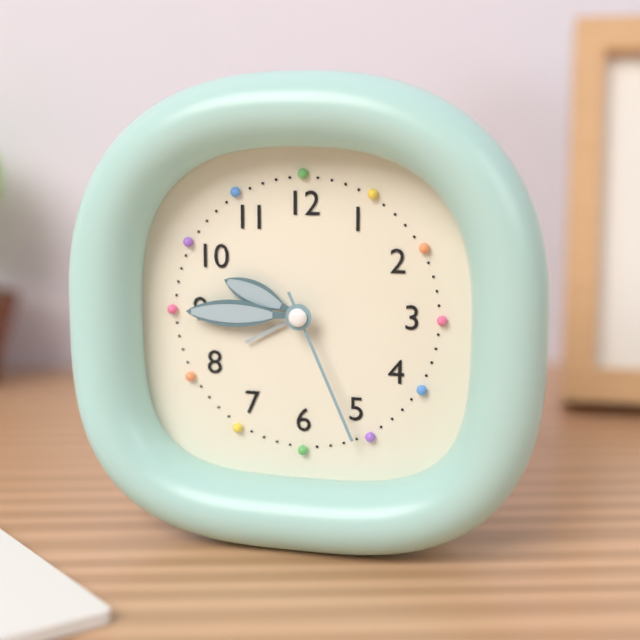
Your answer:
**9:45:26**
